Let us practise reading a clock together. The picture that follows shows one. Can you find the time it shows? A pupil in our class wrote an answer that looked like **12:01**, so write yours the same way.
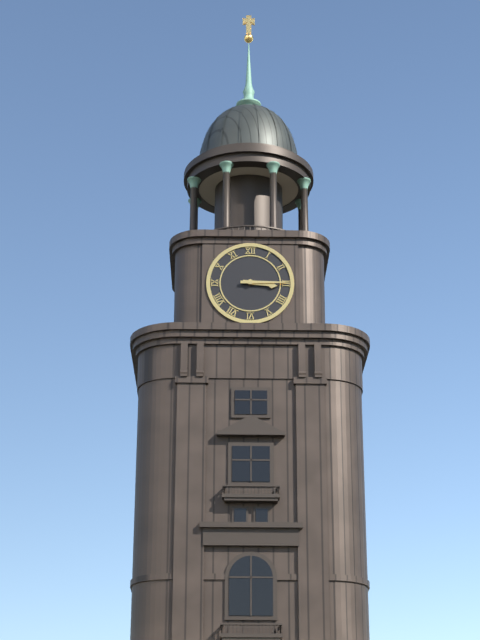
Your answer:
**3:15**
